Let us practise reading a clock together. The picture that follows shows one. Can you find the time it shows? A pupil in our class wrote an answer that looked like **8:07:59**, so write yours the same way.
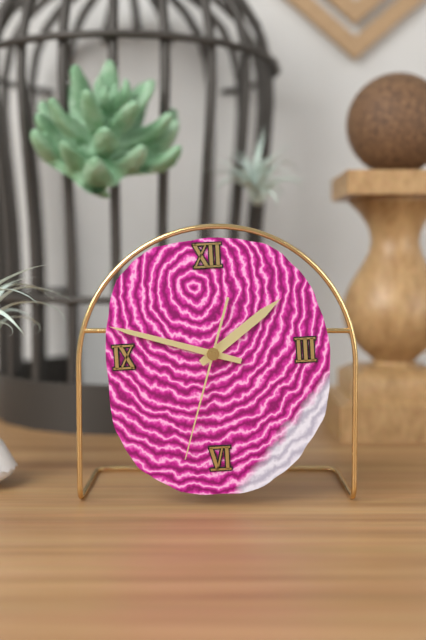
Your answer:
**1:48:33**
